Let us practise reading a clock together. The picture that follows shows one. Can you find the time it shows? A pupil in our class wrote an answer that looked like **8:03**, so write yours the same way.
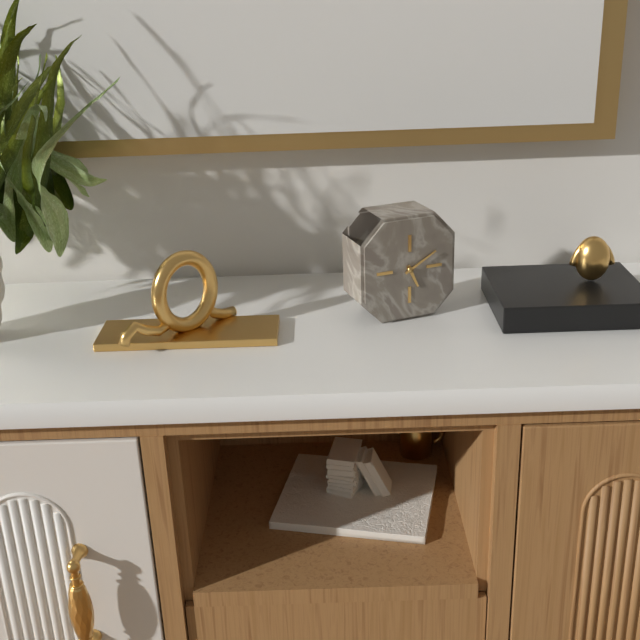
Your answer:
**5:10**
